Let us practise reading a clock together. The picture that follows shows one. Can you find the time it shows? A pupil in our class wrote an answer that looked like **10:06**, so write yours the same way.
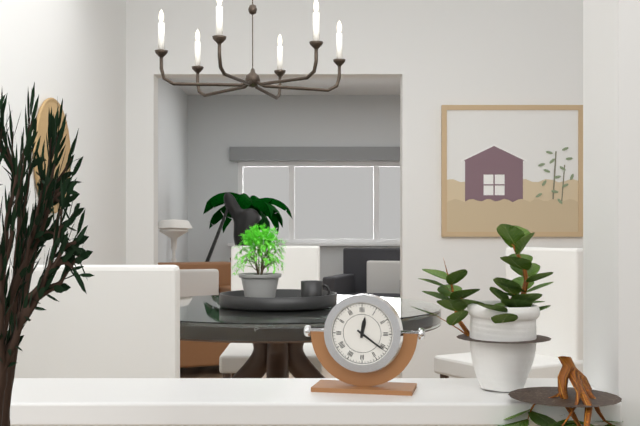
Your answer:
**12:21**
